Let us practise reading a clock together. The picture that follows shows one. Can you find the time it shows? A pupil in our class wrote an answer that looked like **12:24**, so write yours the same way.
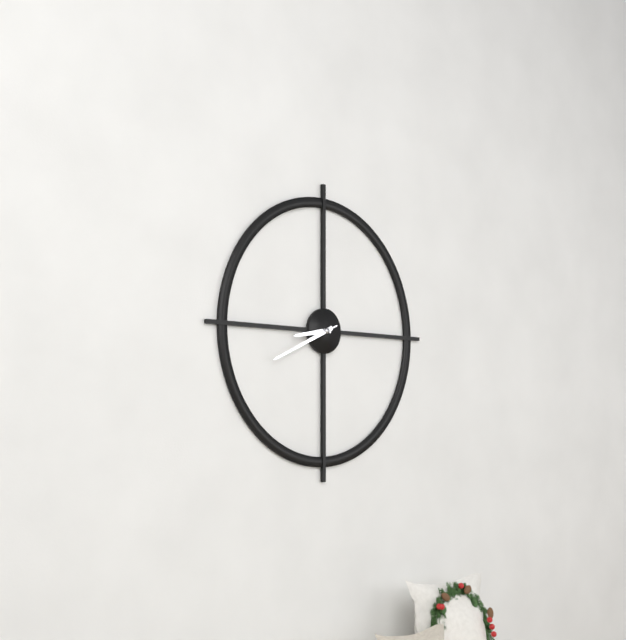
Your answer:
**8:41**
